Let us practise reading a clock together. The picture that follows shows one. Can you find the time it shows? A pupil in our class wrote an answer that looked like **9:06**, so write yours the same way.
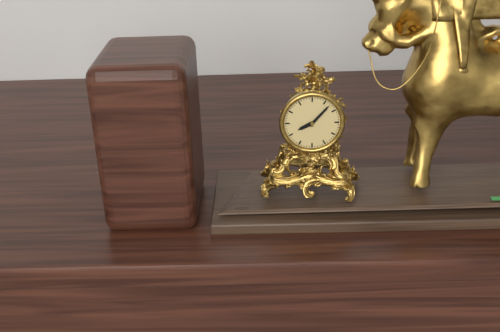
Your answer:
**8:07**
